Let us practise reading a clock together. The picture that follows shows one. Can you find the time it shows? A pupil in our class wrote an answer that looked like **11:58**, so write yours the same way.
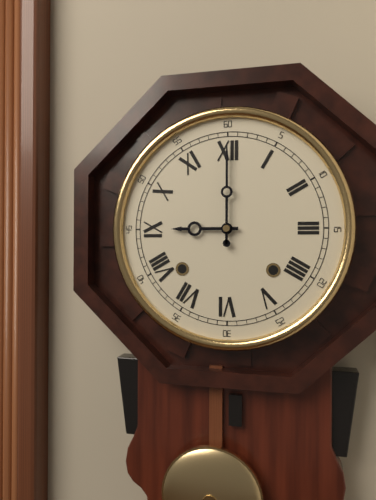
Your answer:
**9:00**
